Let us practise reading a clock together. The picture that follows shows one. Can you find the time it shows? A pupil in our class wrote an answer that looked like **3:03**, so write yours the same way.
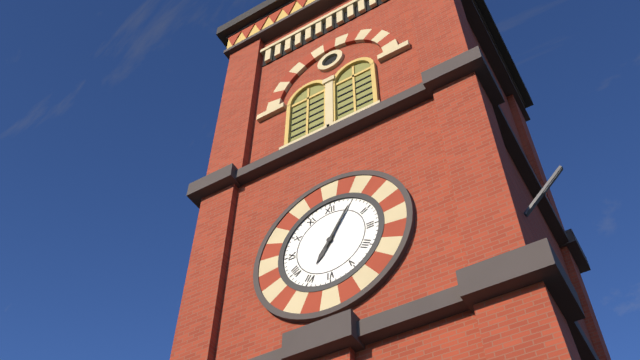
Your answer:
**7:05**
